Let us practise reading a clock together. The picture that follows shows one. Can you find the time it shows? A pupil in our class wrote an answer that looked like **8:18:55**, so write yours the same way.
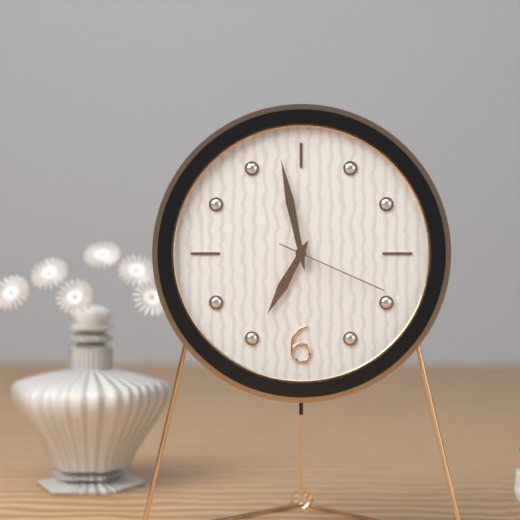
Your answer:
**6:58:19**
